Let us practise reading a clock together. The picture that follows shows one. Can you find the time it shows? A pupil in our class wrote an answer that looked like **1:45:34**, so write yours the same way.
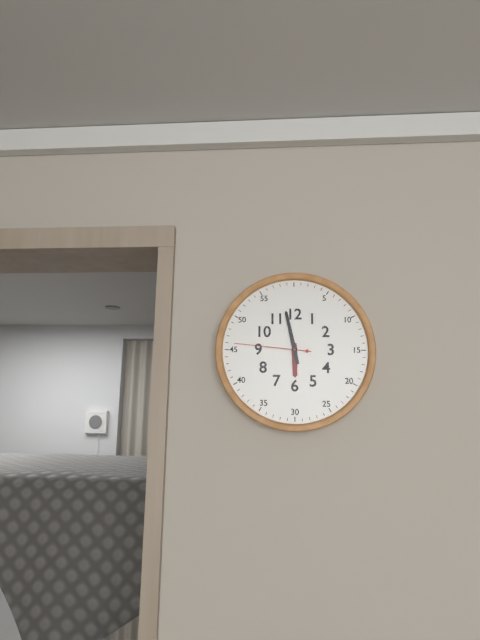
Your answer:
**5:58:46**
